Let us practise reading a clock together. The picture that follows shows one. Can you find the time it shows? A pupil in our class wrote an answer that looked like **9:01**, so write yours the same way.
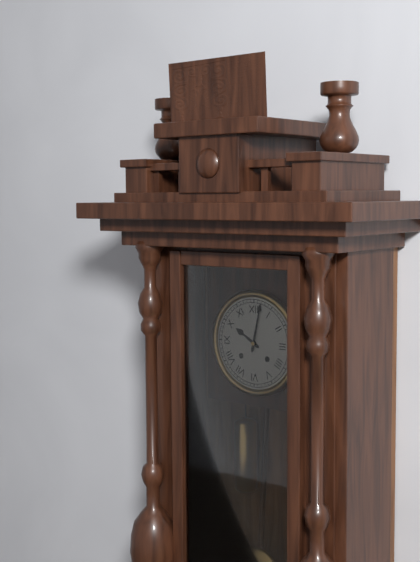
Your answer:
**10:02**
